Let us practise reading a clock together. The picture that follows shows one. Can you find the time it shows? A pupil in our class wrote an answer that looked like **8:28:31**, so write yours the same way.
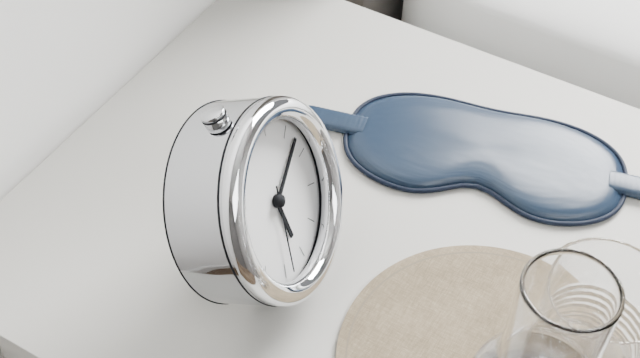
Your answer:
**6:12:34**
